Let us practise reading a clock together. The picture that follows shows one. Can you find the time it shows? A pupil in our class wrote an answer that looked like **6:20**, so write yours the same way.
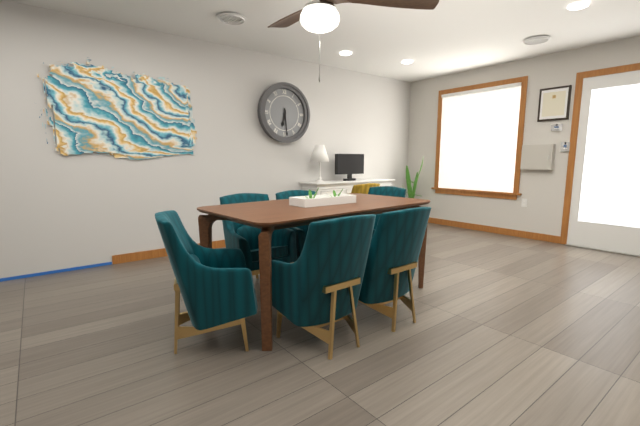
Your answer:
**6:29**
